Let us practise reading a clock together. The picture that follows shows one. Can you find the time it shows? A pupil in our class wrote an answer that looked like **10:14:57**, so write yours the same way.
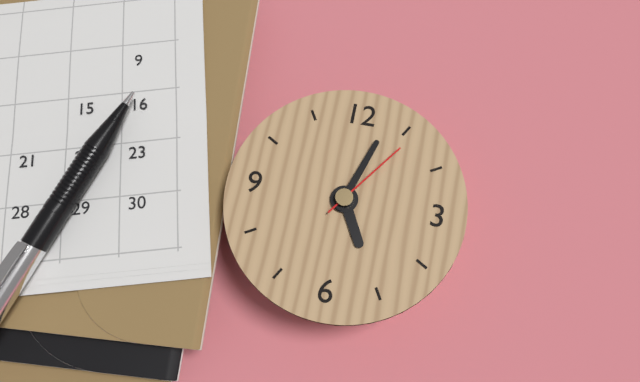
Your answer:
**5:03:06**
